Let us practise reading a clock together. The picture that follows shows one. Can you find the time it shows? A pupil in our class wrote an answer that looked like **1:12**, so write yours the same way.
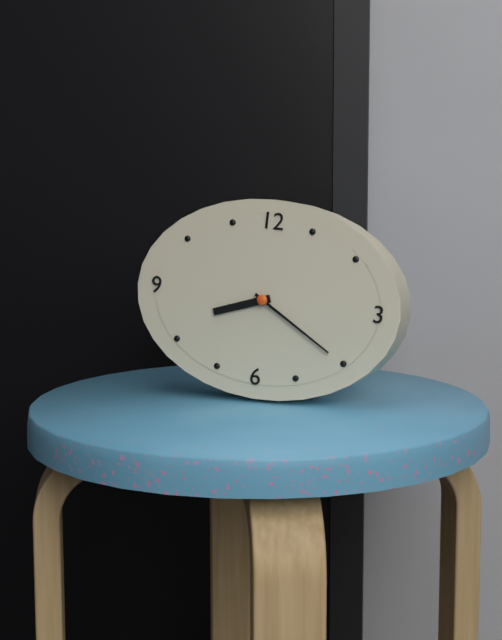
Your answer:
**8:20**
